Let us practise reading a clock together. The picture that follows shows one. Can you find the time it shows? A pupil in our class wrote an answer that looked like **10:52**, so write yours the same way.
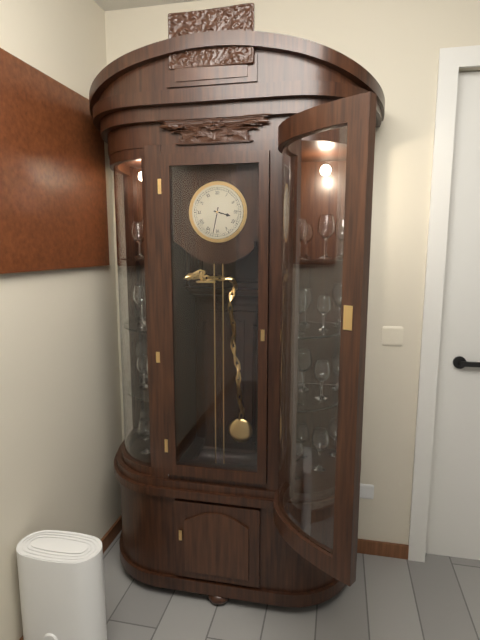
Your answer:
**3:32**
